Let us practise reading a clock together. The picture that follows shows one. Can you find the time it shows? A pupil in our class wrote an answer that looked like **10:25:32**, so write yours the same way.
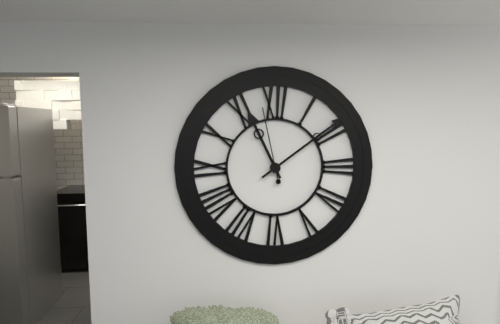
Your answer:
**11:09:58**
